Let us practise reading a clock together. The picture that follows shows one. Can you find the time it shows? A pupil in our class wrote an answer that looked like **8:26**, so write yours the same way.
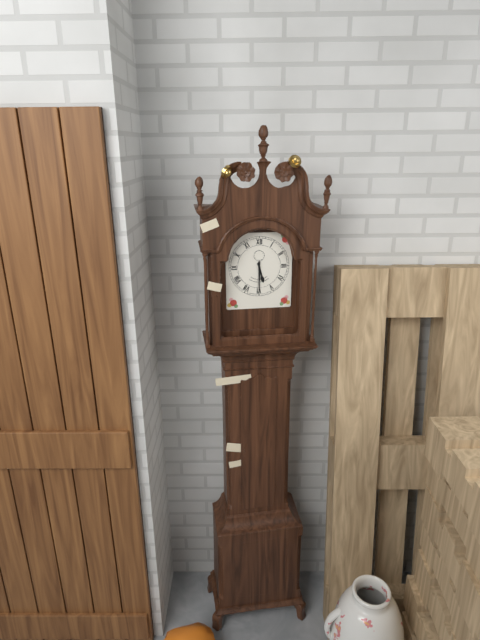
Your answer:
**5:30**
